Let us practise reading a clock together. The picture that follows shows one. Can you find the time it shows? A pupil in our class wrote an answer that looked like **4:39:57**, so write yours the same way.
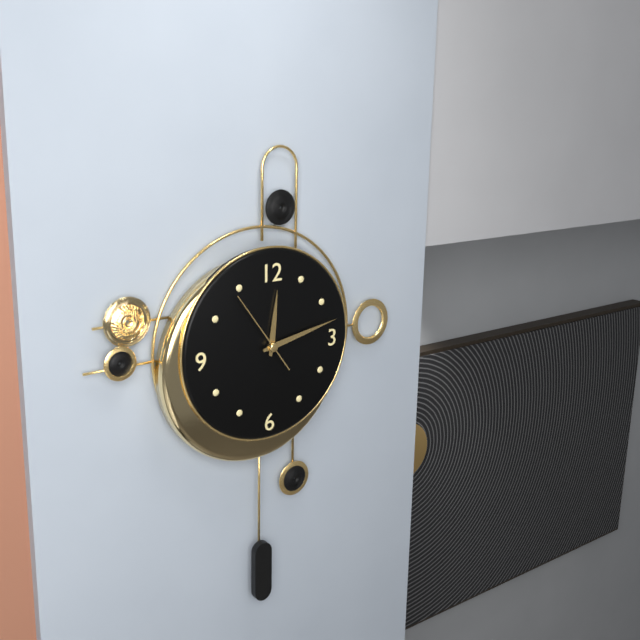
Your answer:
**12:13:54**
